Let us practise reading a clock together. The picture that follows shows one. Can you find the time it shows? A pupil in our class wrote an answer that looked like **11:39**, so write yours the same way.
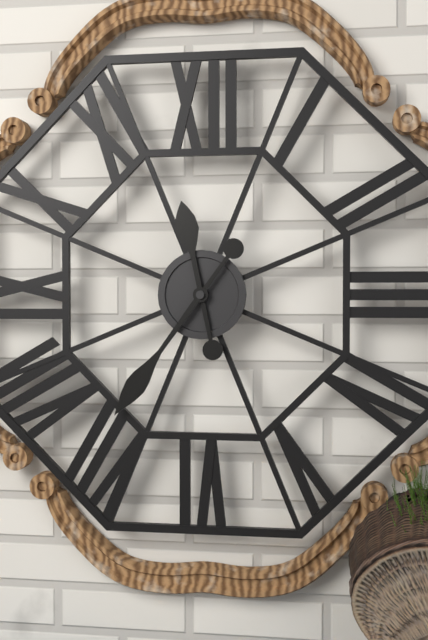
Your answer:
**11:36**
